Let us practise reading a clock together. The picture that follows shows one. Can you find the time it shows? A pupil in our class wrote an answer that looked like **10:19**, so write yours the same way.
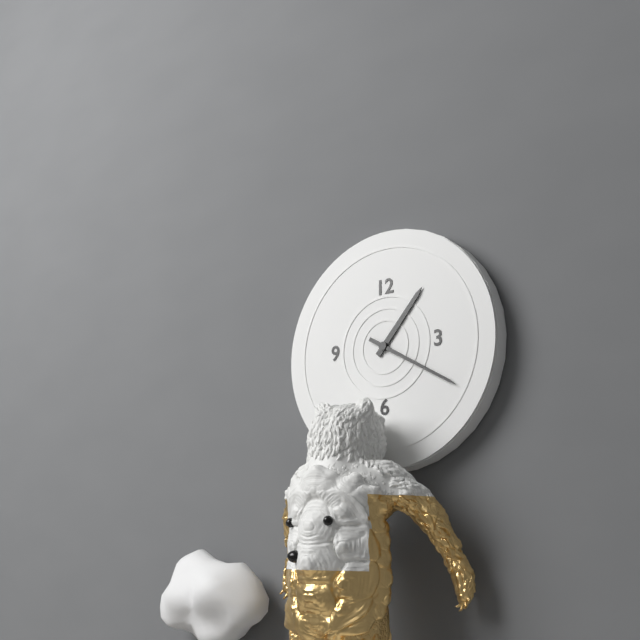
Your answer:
**1:20**
